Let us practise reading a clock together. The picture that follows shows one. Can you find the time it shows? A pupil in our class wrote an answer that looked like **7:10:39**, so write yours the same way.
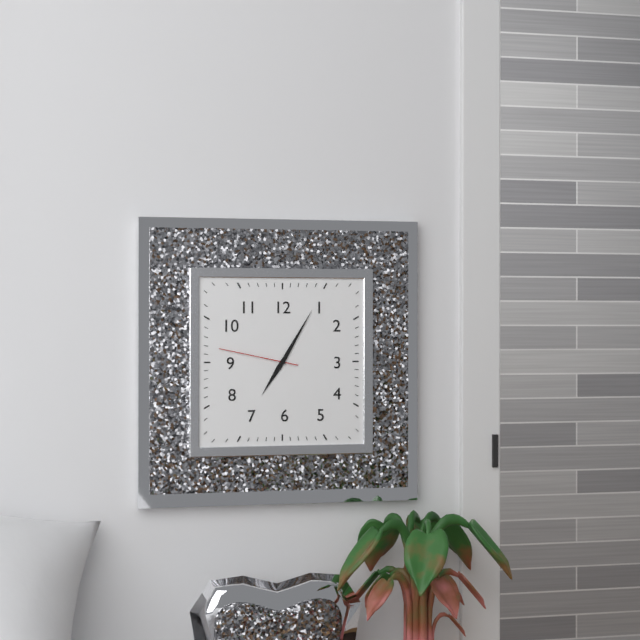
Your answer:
**7:05:47**
